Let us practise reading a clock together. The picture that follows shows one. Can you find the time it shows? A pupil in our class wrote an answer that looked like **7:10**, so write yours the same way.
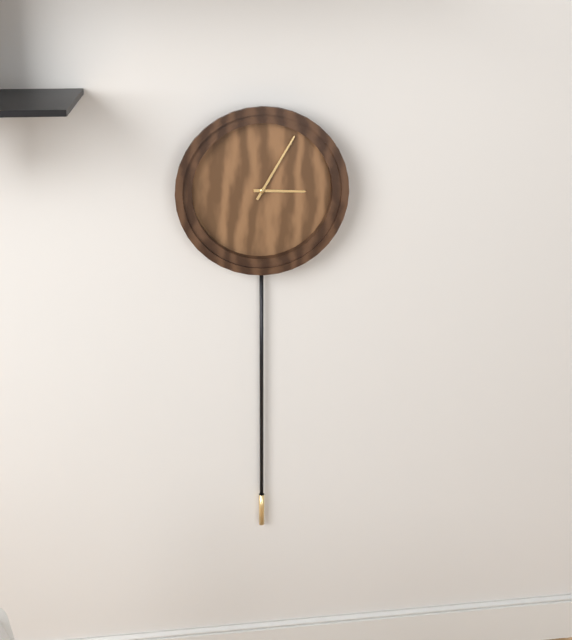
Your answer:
**3:05**
